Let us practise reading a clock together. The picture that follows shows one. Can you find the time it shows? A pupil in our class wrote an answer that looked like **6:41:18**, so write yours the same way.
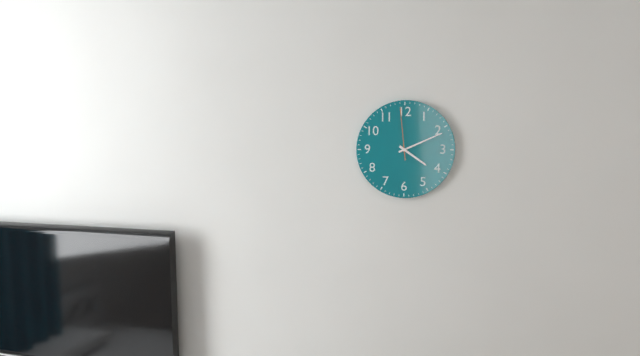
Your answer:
**4:11:59**
